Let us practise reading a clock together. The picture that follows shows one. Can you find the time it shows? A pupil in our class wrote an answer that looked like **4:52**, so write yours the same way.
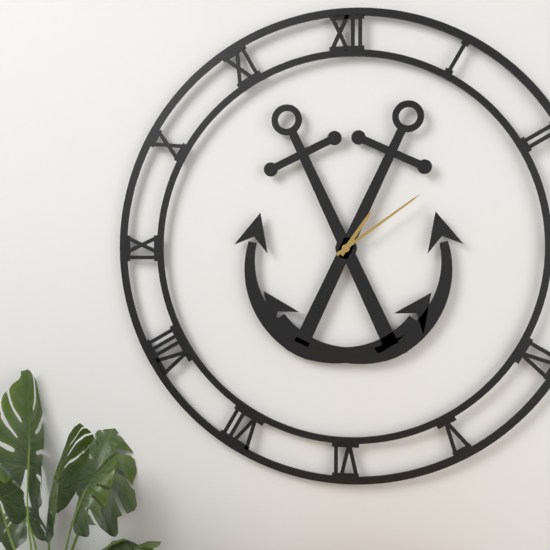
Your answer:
**1:09**
